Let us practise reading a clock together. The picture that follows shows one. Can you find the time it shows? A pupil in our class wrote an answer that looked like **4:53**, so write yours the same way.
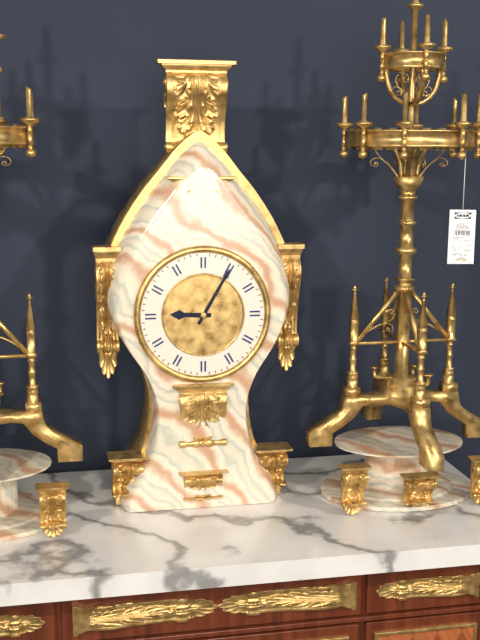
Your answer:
**9:05**
